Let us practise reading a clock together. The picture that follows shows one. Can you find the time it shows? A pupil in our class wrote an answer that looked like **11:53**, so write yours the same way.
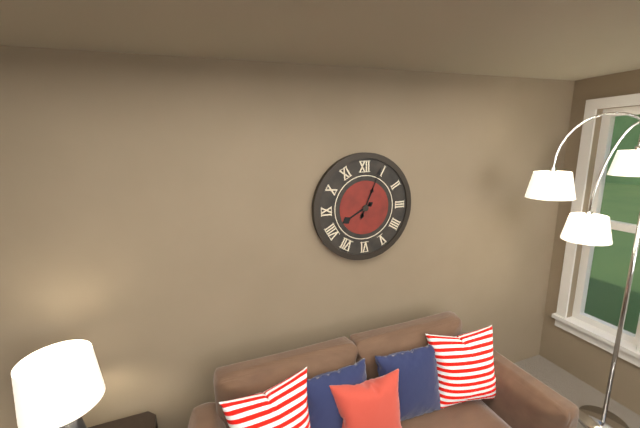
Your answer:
**8:04**
